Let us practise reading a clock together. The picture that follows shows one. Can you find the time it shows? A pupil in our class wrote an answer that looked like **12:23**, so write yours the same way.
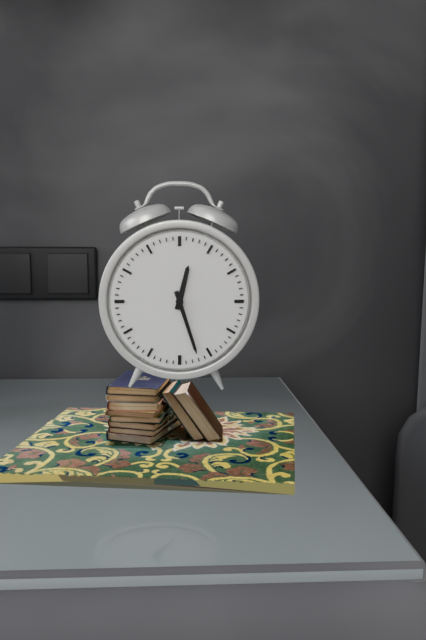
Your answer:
**12:27**
